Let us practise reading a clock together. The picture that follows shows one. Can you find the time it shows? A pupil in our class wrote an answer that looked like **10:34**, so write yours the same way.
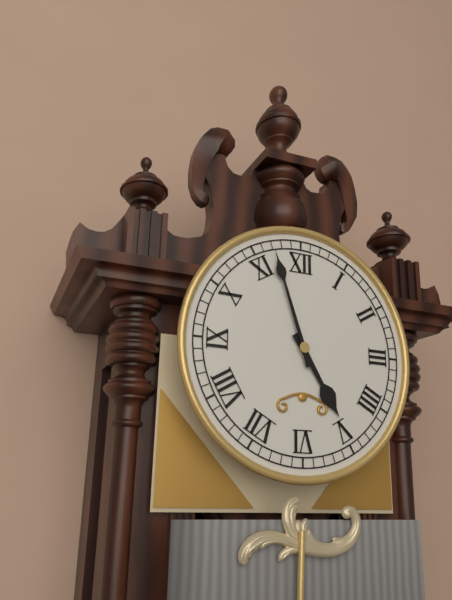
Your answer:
**4:57**
